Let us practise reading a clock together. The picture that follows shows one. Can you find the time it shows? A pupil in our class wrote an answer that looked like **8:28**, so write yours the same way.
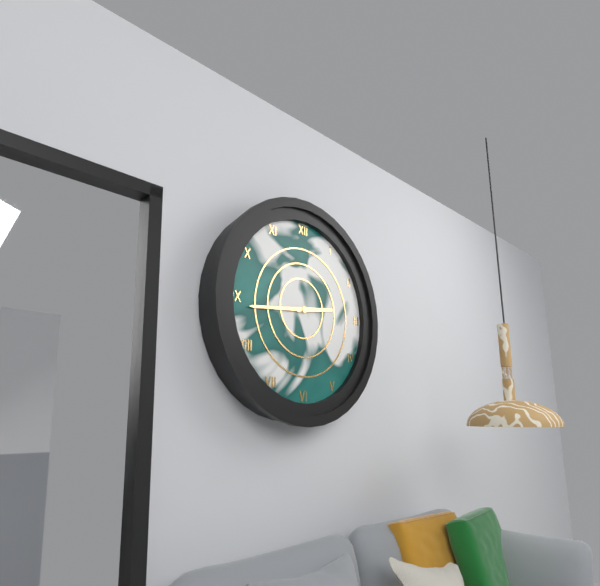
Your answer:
**2:44**
